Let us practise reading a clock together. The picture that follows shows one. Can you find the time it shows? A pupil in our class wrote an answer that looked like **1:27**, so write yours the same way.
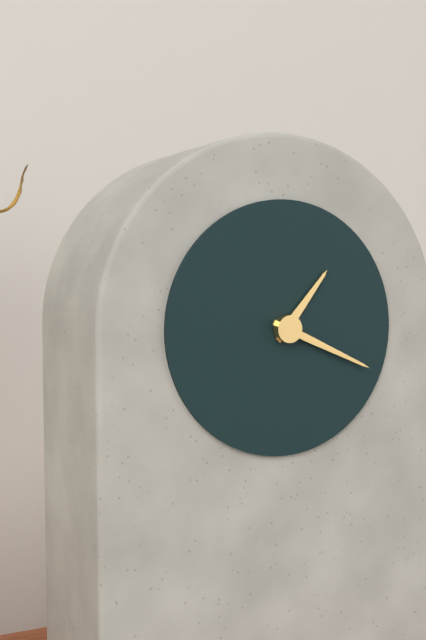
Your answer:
**1:19**
